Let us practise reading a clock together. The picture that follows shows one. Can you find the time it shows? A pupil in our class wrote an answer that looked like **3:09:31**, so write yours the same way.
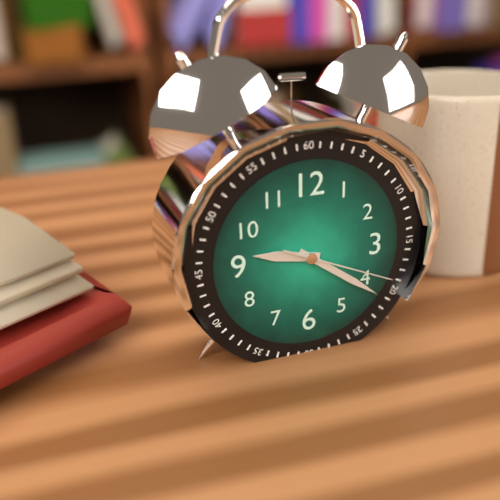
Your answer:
**9:21:19**
